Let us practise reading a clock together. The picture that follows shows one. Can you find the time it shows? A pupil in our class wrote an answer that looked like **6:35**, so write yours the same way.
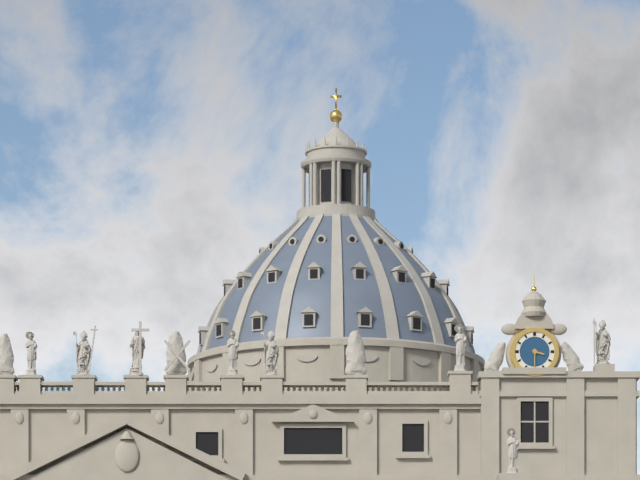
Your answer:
**3:30**
